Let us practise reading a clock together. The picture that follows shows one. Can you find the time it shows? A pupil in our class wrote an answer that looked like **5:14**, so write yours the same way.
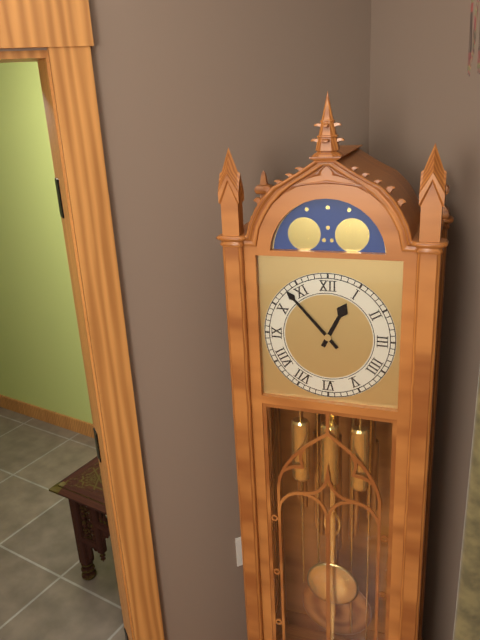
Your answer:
**12:53**
